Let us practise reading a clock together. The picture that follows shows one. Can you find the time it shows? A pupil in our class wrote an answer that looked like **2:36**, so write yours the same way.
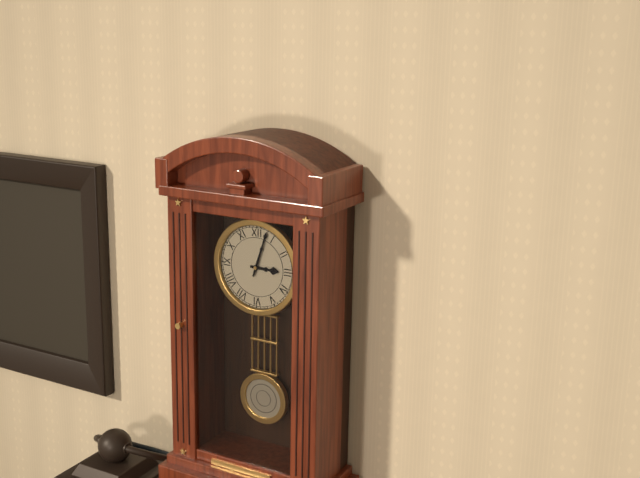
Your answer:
**3:03**
